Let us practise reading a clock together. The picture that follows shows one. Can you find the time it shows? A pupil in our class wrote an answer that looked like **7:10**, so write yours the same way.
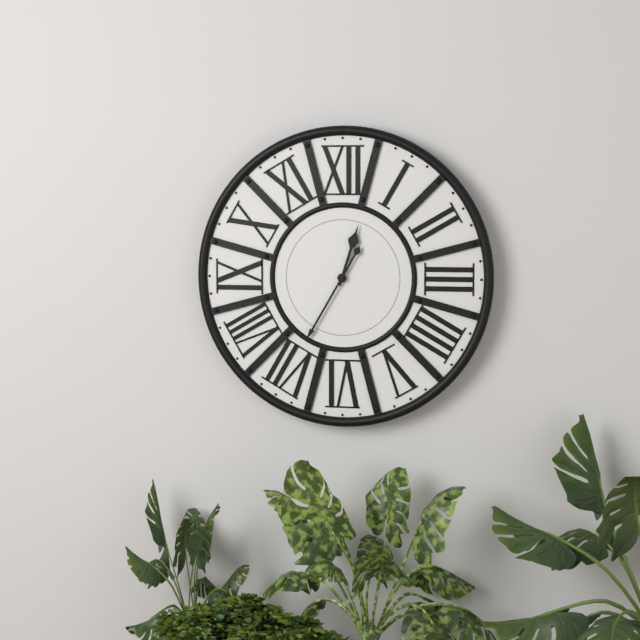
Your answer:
**12:35**
